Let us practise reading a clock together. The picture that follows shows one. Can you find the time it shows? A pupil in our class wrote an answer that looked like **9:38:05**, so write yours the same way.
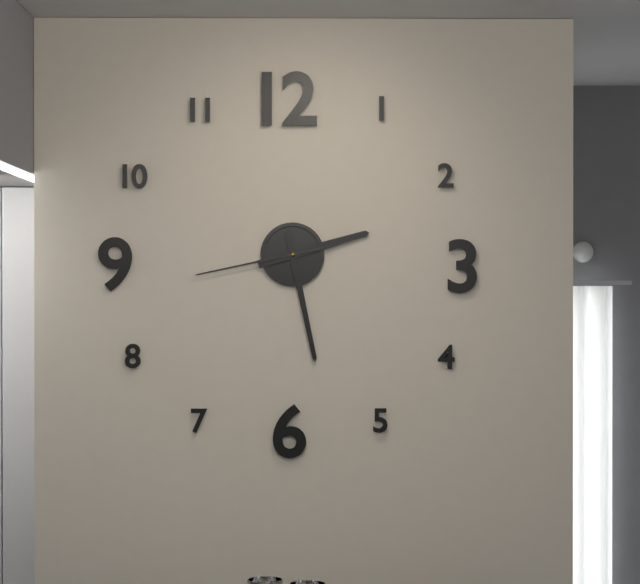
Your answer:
**2:28:43**
